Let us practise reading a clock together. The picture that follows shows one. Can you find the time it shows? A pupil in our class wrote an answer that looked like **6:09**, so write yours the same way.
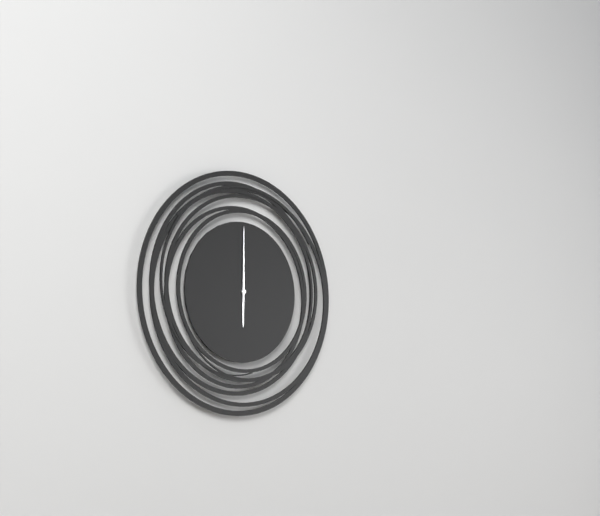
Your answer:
**6:00**
